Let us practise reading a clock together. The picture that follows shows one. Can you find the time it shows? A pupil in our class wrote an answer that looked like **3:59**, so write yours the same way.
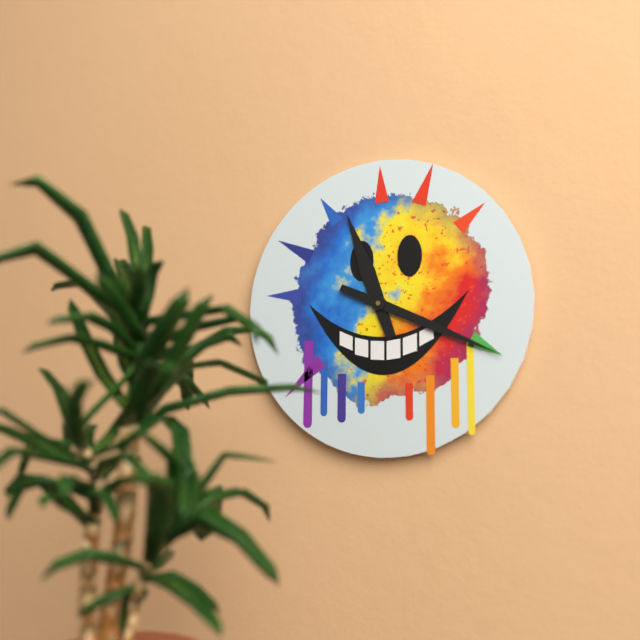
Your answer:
**11:19**
